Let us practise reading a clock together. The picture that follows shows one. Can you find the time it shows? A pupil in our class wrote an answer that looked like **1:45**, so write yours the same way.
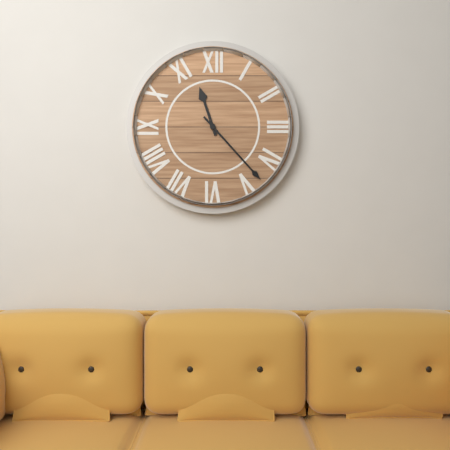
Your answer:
**11:23**
